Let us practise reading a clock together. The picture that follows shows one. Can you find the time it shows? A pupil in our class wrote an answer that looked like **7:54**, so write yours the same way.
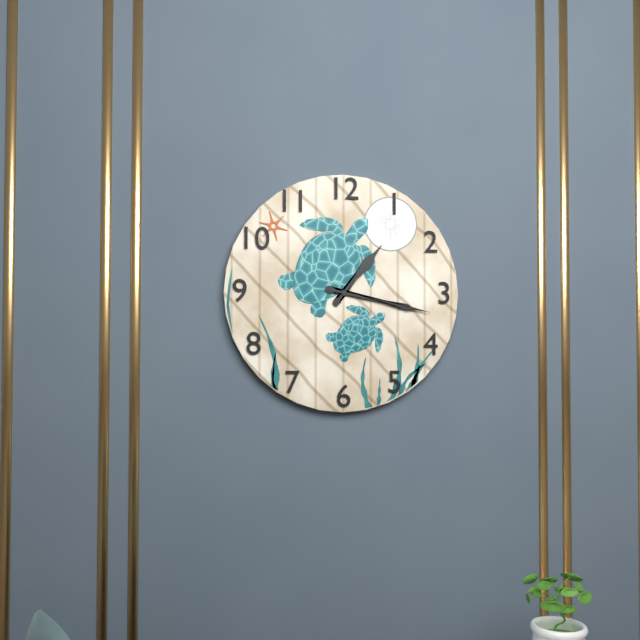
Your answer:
**1:17**
